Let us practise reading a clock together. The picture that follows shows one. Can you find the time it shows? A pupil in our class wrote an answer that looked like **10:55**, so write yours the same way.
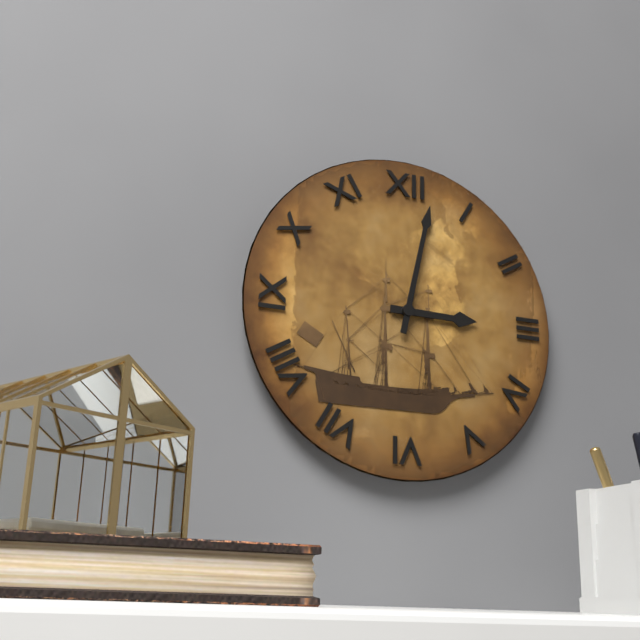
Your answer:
**3:02**
